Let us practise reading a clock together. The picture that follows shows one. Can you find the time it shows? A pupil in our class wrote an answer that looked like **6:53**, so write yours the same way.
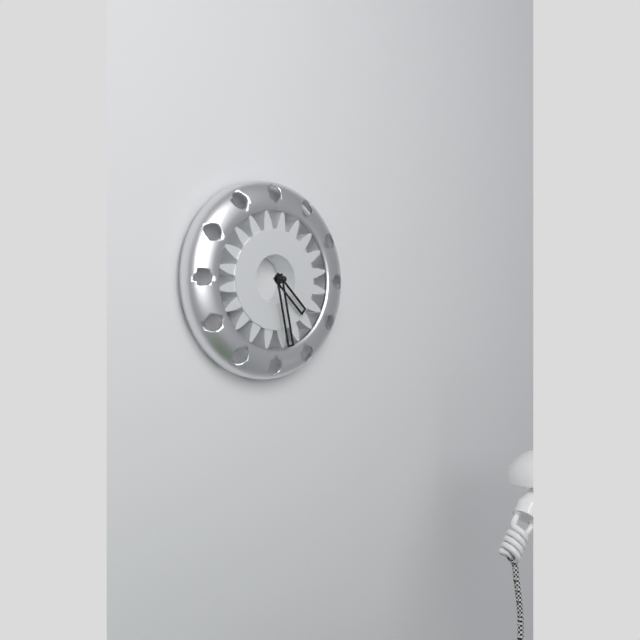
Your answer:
**4:28**
